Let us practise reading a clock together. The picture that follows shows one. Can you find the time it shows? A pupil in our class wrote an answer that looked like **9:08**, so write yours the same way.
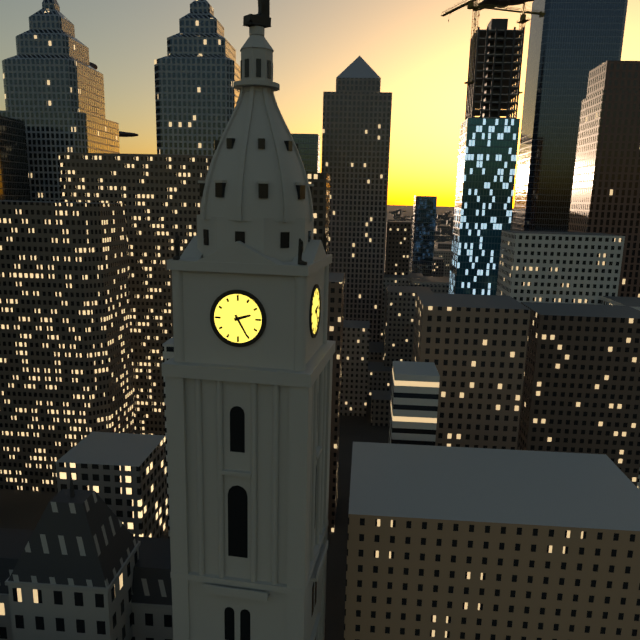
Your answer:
**2:25**
